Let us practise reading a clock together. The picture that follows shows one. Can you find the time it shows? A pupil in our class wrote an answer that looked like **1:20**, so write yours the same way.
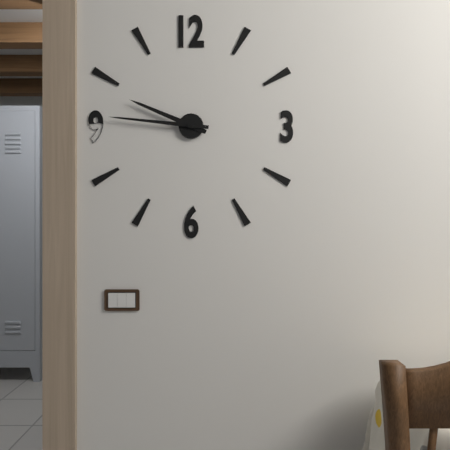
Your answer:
**9:46**
